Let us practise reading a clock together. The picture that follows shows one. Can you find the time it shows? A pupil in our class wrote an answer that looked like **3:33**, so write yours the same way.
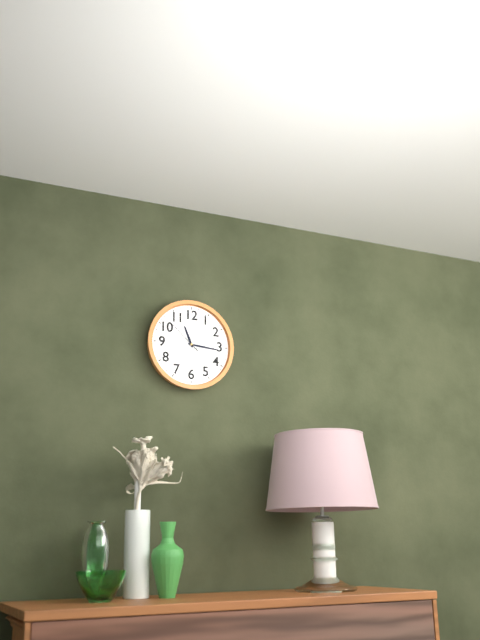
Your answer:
**11:16**
